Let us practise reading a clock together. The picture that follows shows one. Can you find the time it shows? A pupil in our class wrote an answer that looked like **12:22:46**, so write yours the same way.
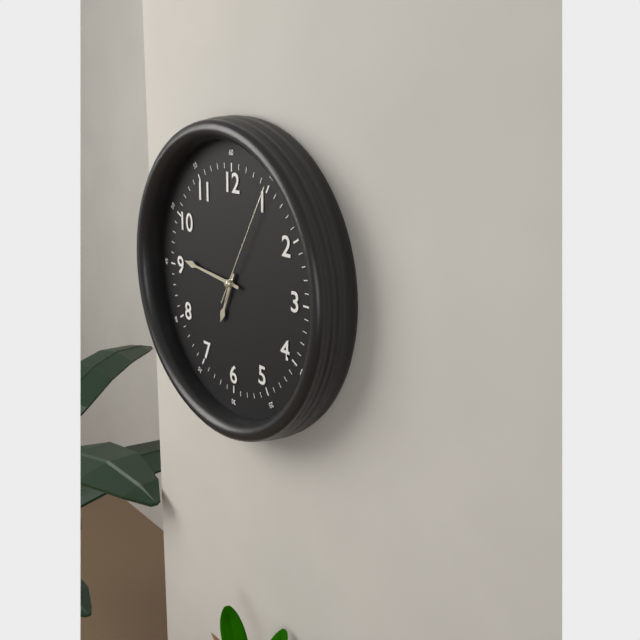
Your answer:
**6:46:05**
